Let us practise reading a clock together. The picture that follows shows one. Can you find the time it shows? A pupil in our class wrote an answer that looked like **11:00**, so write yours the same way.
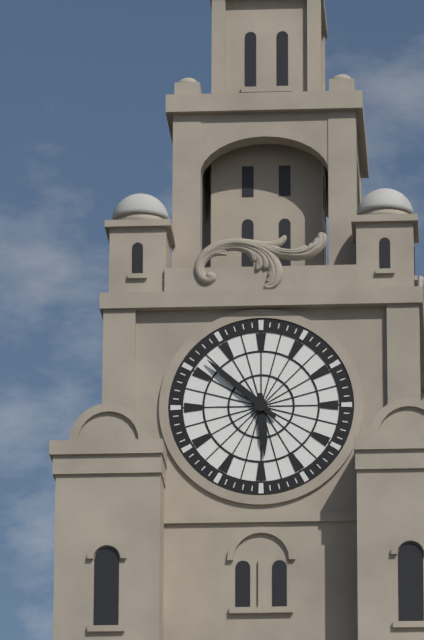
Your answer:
**5:52**
